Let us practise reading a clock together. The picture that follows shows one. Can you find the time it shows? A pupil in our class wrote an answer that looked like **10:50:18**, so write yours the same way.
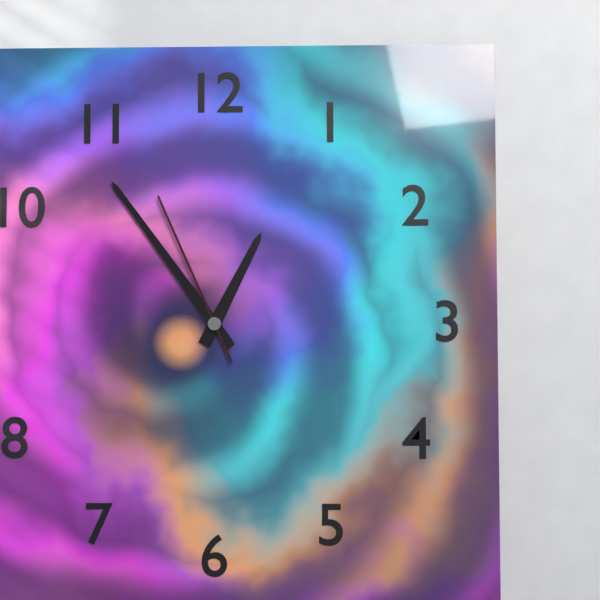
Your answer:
**12:54:56**
